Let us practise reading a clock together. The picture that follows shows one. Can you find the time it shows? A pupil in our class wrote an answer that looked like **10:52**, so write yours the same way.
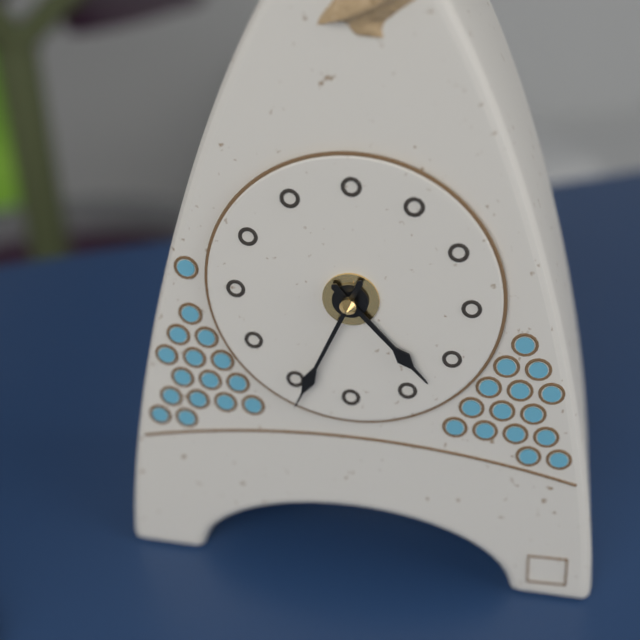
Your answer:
**4:34**
